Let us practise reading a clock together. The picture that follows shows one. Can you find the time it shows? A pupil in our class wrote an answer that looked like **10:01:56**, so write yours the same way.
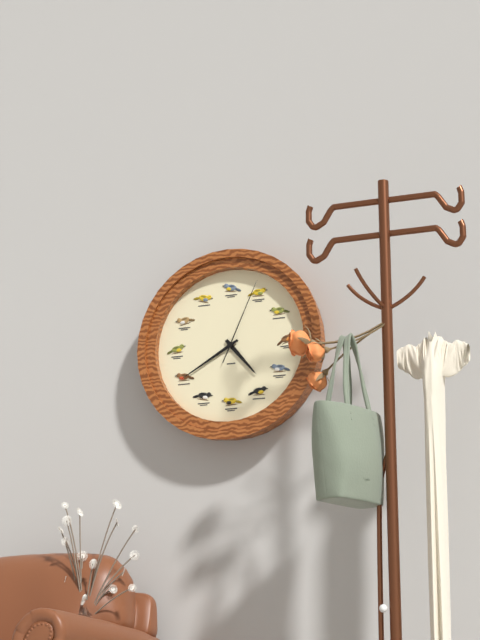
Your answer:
**4:40:04**
